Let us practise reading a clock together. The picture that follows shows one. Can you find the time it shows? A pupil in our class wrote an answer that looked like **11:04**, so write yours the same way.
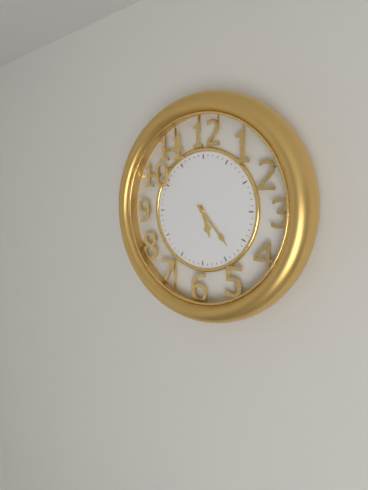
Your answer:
**5:23**
